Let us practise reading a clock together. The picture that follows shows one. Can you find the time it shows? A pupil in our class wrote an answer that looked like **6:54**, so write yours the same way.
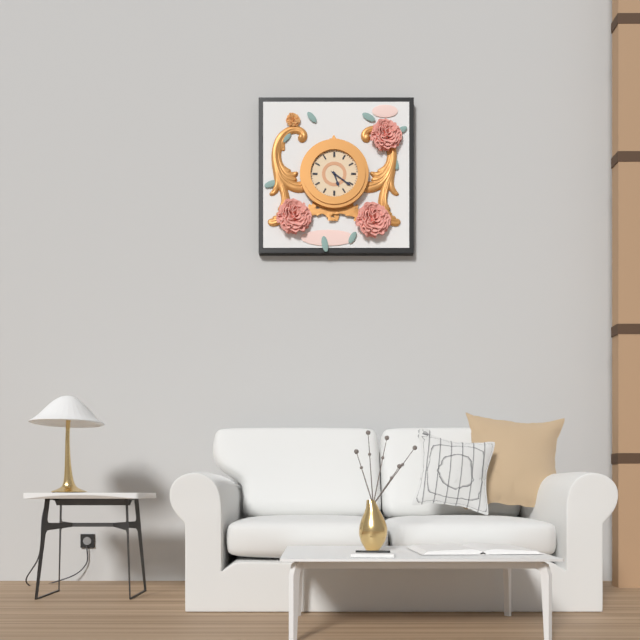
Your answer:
**5:21**
